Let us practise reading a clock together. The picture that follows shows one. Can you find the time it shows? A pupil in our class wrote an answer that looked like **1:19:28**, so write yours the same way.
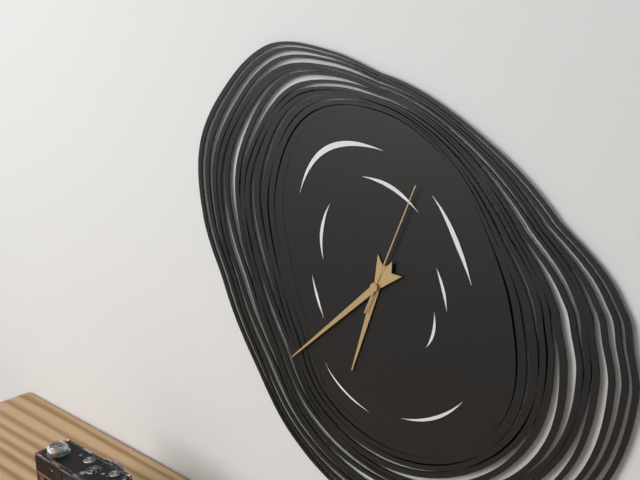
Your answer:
**6:38:04**
